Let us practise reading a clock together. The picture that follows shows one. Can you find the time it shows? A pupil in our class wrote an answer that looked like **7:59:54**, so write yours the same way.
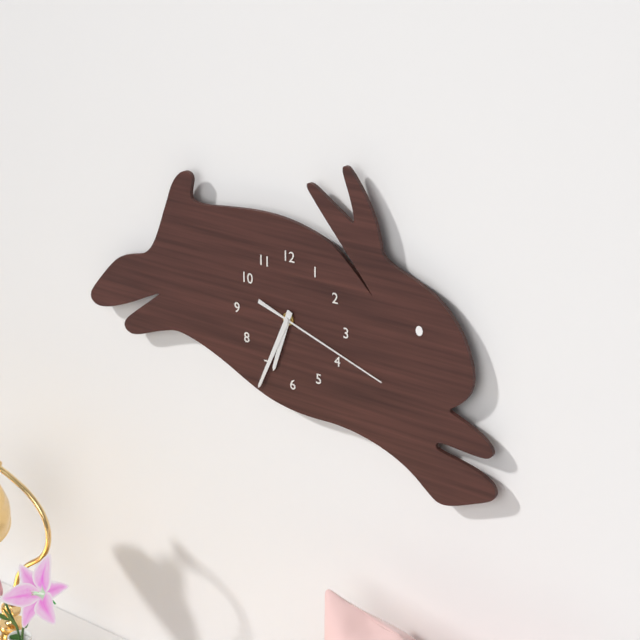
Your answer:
**6:34:18**
